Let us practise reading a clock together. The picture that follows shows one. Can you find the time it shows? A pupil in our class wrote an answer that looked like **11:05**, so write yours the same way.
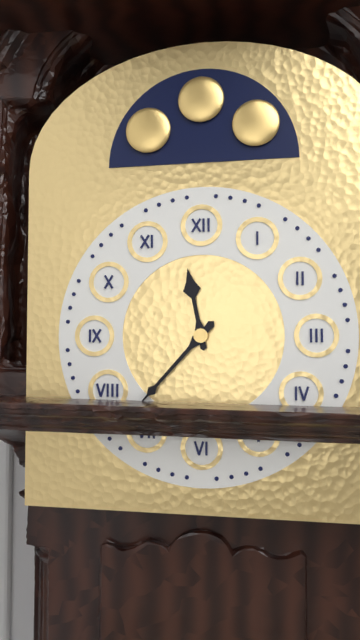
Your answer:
**11:37**
